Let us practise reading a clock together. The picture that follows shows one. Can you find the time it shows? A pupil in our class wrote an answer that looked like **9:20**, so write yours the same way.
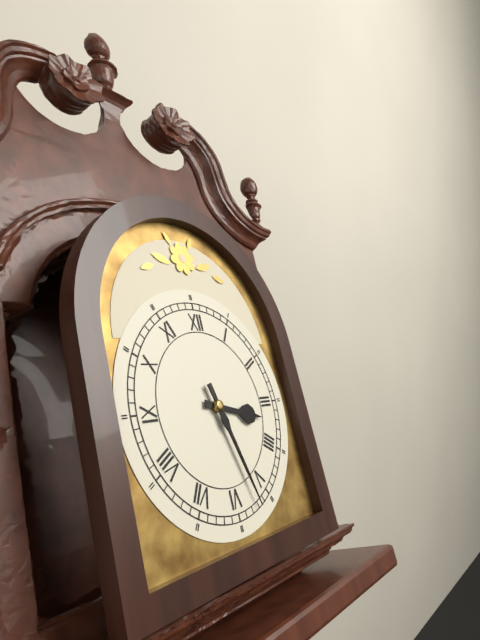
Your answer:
**3:27**
